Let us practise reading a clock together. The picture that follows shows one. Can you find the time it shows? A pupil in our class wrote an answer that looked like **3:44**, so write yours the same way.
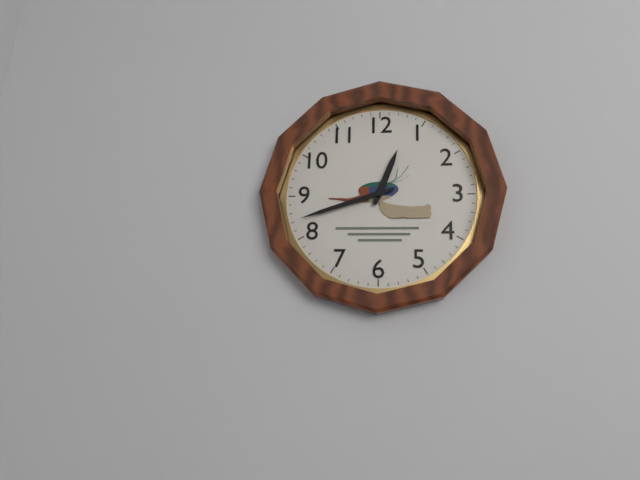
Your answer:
**12:42**
